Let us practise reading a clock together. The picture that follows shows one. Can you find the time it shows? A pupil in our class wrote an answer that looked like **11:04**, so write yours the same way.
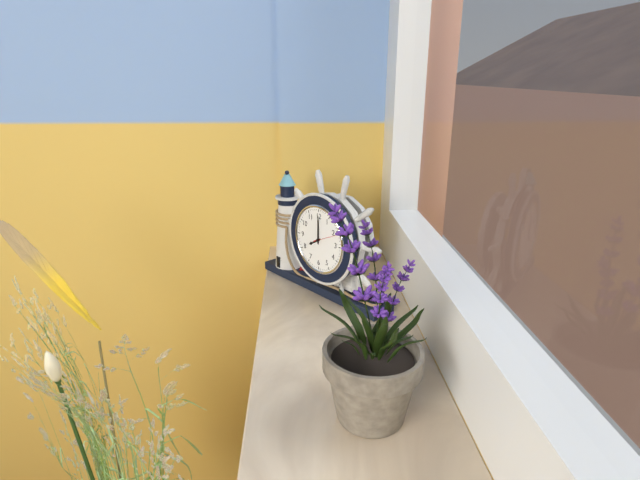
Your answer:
**8:00**
